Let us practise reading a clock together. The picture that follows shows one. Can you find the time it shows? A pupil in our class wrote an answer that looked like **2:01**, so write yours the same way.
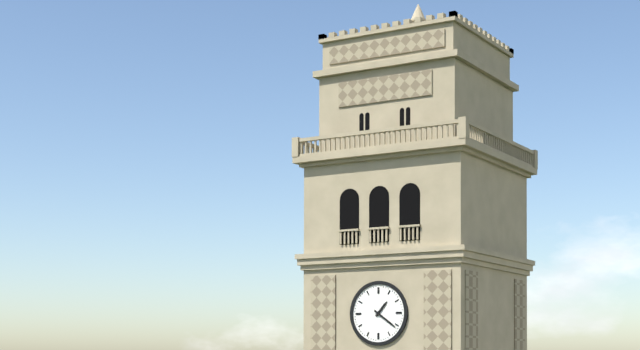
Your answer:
**1:21**
